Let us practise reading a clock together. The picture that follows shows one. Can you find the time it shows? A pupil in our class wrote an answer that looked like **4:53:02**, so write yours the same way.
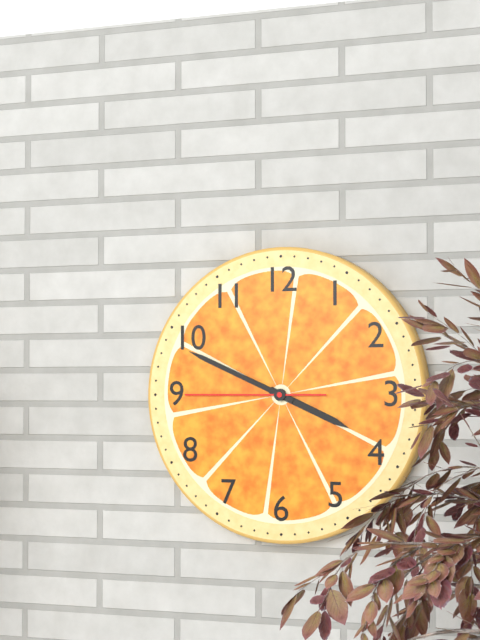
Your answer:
**3:49:45**
